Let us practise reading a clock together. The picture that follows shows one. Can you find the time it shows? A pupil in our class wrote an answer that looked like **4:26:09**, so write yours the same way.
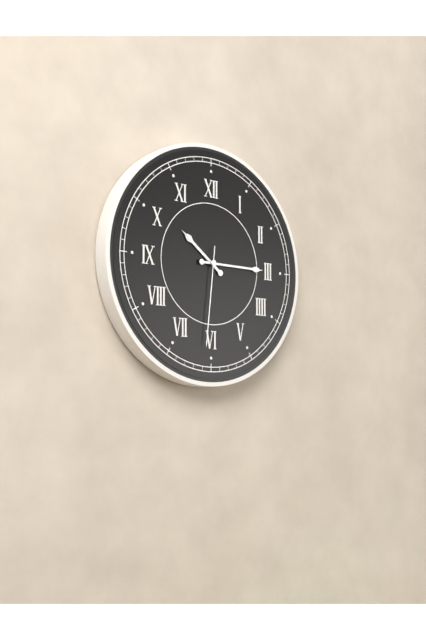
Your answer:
**10:15:31**
